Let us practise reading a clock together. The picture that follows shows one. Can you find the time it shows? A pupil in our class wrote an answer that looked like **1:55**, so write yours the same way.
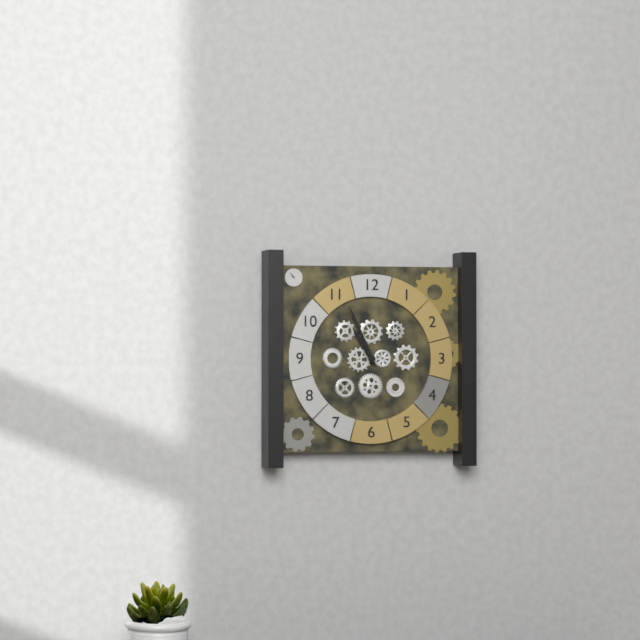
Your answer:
**10:56**
